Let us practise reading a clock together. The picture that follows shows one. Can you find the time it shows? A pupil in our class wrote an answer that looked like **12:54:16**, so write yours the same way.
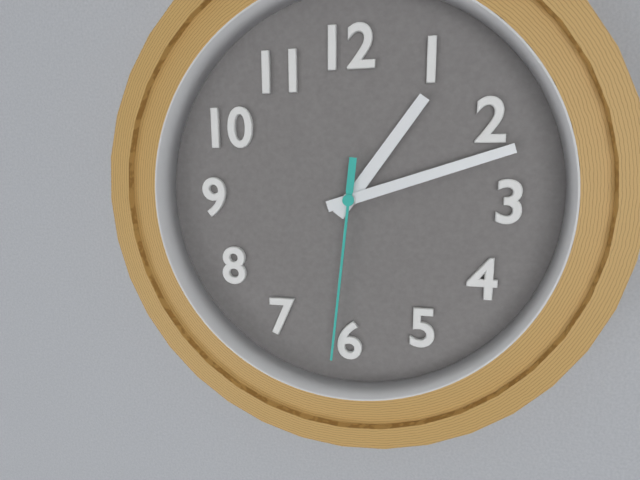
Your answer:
**1:12:31**
